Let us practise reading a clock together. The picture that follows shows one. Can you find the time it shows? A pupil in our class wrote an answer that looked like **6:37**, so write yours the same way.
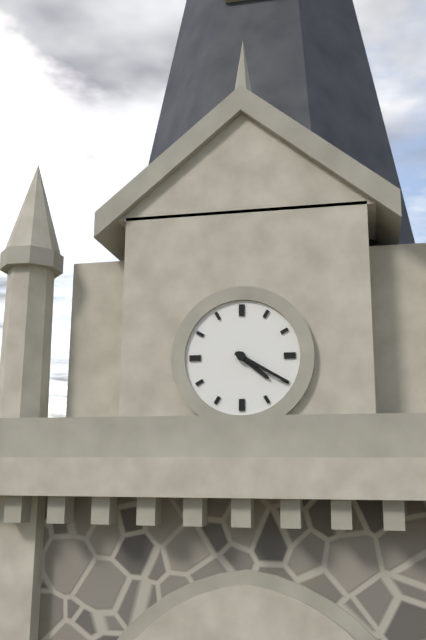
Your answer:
**4:20**
